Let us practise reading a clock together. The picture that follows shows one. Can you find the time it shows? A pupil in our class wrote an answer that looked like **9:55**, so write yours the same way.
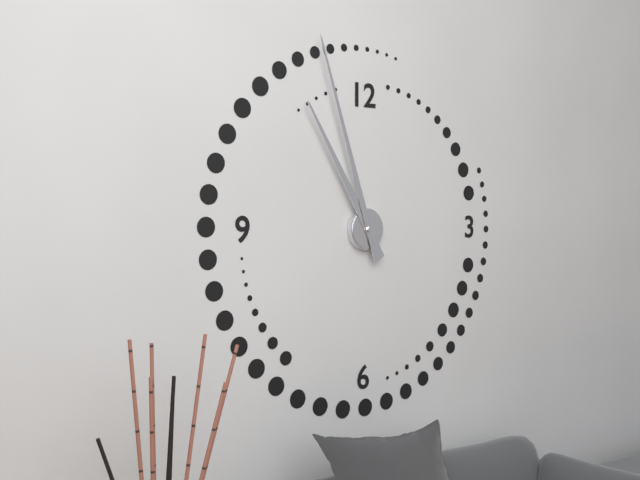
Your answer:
**10:57**
